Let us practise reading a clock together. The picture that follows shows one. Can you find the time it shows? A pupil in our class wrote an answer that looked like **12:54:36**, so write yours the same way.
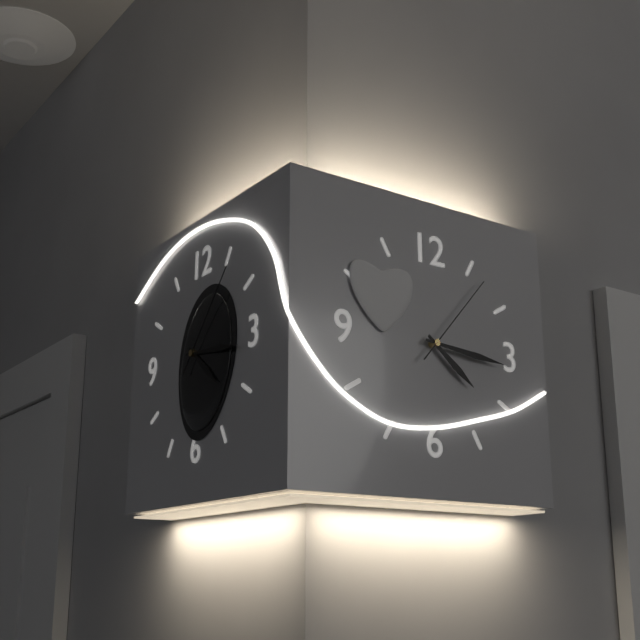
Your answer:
**4:16:07**
